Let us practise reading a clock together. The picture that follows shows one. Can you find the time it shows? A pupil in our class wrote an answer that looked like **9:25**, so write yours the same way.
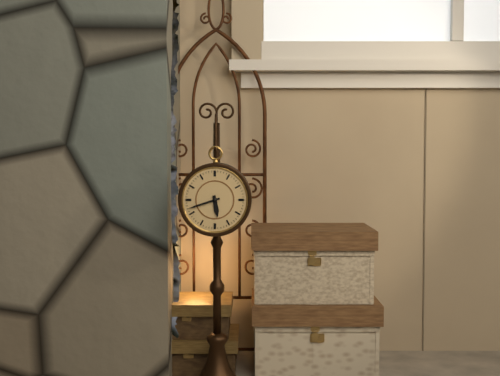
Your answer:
**5:42**
